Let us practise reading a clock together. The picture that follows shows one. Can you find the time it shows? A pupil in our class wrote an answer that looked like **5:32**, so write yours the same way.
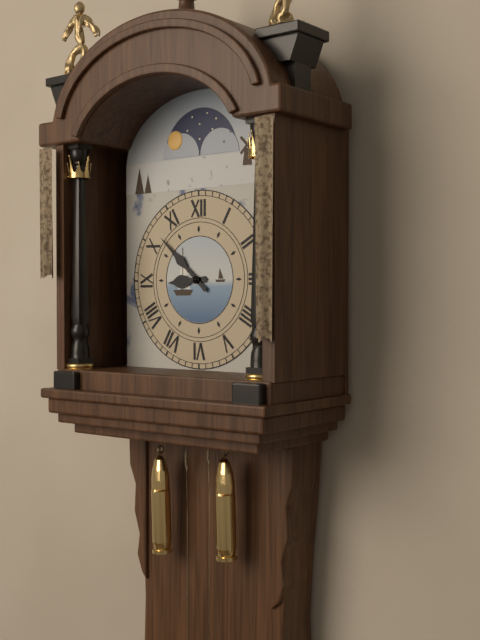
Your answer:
**8:52**
